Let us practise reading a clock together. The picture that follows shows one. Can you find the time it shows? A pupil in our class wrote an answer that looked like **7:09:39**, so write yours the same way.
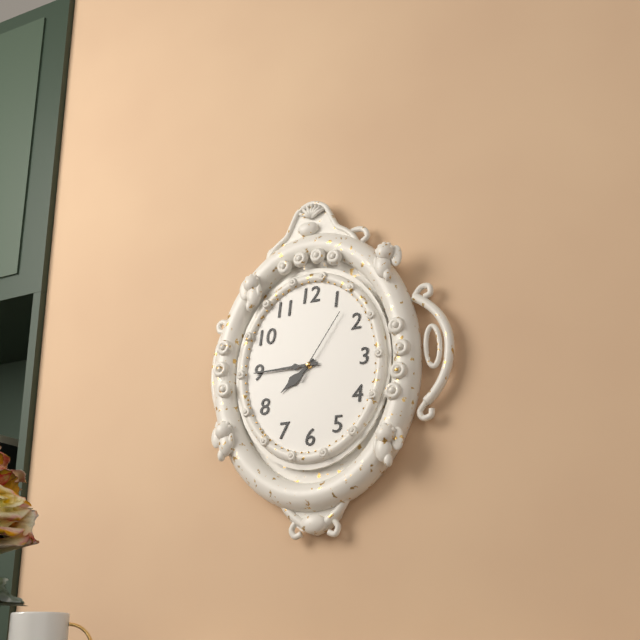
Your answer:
**7:45:06**
